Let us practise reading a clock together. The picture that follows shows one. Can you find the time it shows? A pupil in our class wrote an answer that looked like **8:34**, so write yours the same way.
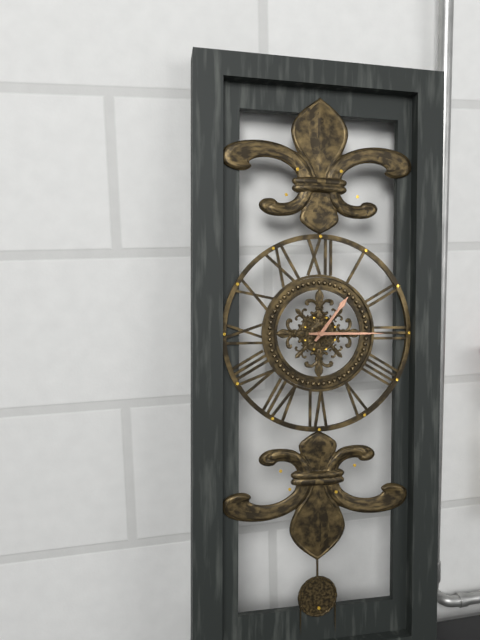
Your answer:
**1:15**
